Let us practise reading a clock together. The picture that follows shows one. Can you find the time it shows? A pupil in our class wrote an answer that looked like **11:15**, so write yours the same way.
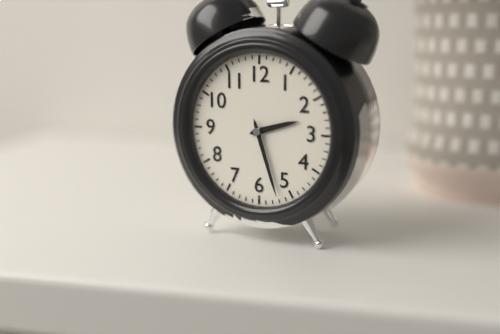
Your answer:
**2:27**
